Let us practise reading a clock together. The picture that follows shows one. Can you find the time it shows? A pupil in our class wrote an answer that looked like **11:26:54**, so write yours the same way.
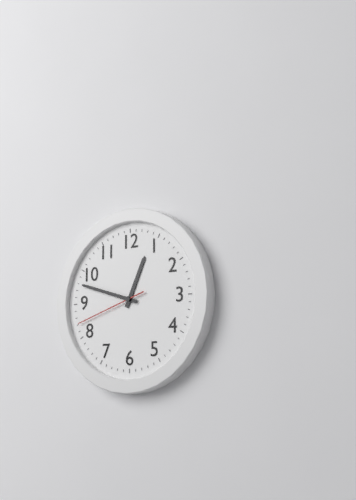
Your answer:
**12:48:42**
